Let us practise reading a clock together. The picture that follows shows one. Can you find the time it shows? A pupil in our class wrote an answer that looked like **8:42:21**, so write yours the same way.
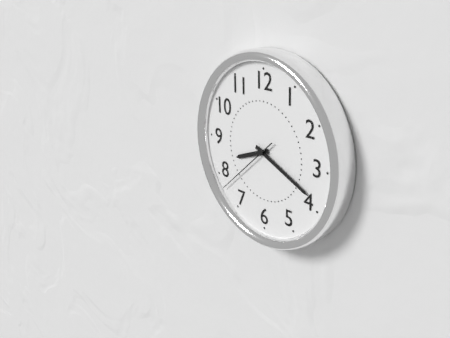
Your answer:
**8:19:38**
